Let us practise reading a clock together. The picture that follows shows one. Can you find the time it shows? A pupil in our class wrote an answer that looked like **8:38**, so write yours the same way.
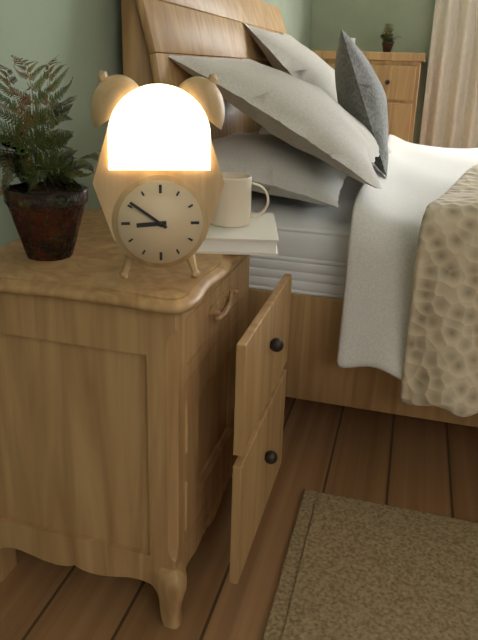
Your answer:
**8:51**
